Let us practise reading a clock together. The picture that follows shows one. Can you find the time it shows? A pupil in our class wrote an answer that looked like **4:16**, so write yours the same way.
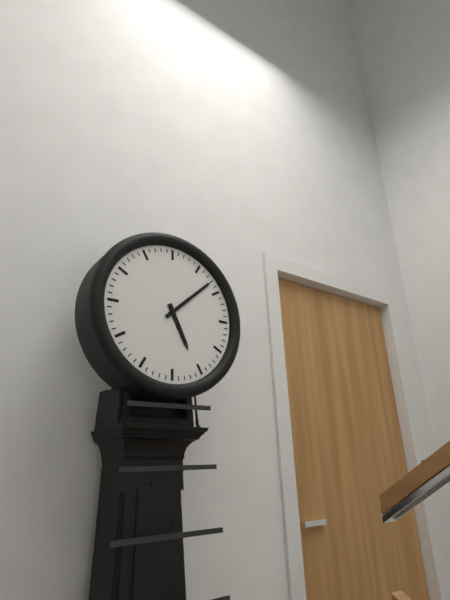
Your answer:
**5:08**
